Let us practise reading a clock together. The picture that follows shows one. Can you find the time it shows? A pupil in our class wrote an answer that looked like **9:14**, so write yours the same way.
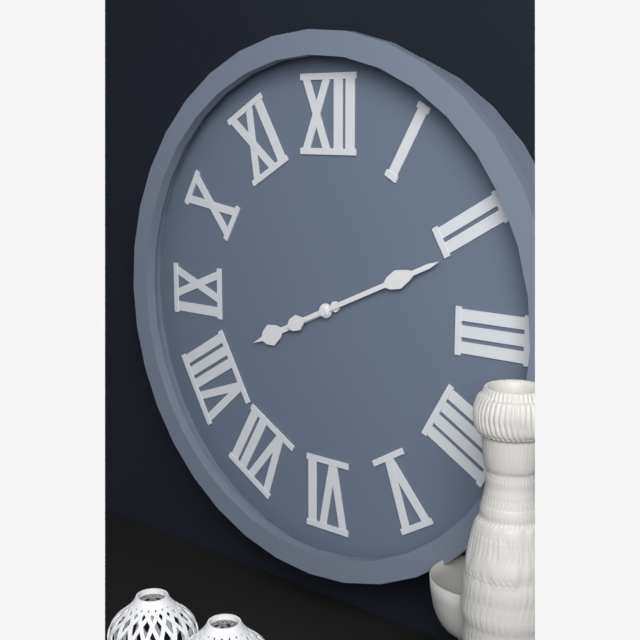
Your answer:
**8:11**
